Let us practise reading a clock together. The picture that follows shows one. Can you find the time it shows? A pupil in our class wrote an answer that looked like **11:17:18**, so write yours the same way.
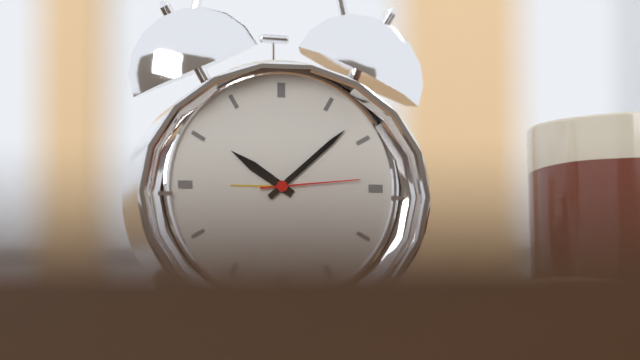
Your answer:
**10:08:14**
